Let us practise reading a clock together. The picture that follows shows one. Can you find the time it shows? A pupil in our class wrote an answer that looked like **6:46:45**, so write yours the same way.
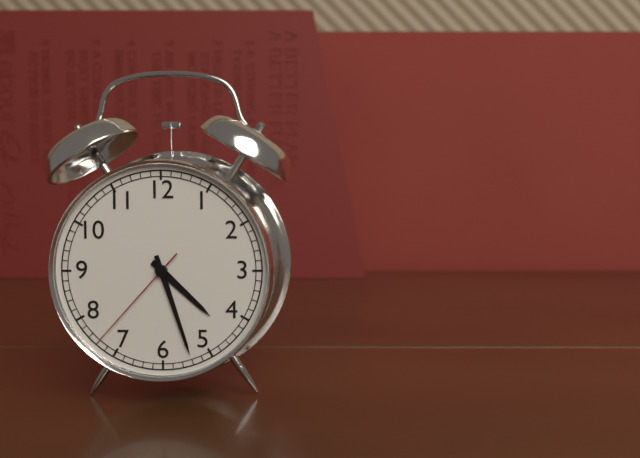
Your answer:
**4:27:37**
